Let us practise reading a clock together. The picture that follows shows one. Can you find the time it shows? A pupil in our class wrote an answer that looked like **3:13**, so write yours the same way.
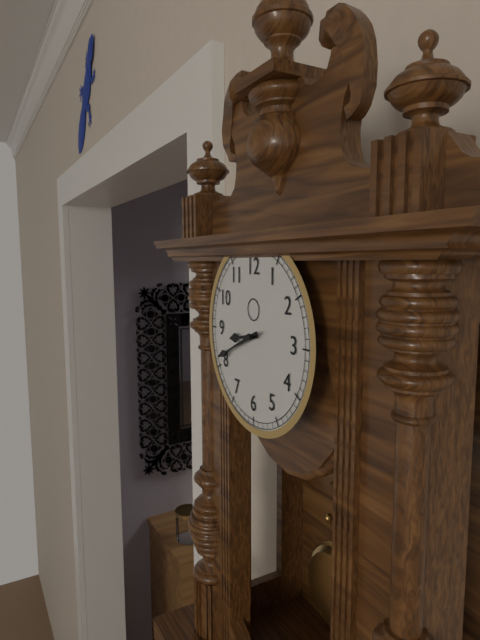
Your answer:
**8:41**
